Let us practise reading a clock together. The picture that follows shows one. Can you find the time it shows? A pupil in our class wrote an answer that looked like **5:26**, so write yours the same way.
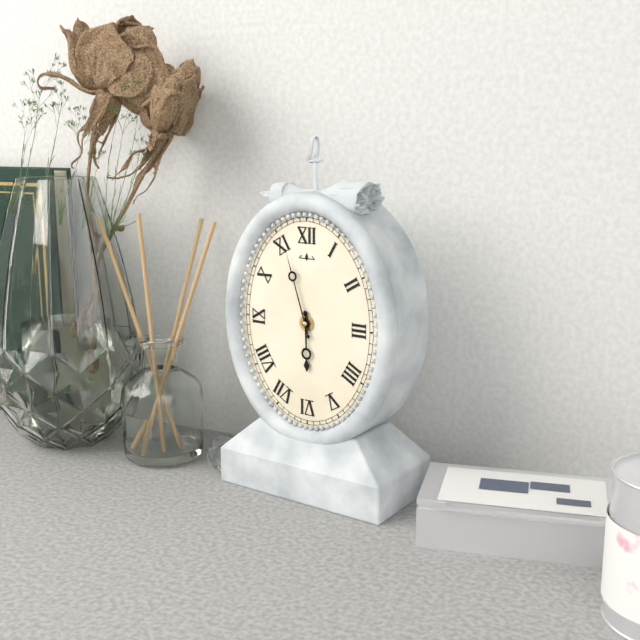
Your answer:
**5:57**
